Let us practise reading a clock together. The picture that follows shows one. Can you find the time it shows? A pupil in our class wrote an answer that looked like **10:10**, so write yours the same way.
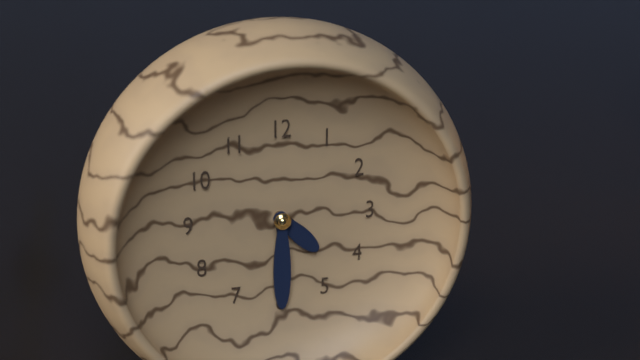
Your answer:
**4:30**
